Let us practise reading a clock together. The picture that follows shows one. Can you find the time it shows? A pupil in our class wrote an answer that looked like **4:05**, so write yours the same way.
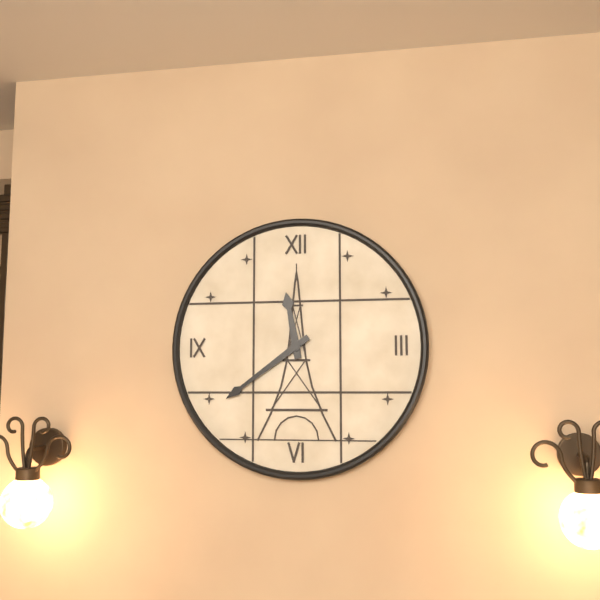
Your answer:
**11:39**
